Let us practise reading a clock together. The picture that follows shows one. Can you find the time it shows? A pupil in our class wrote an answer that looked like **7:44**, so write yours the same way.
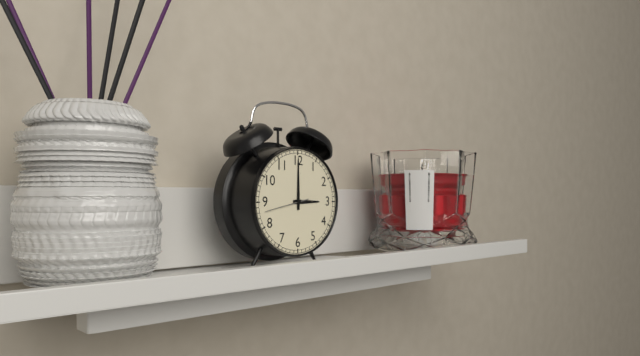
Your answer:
**3:00**
